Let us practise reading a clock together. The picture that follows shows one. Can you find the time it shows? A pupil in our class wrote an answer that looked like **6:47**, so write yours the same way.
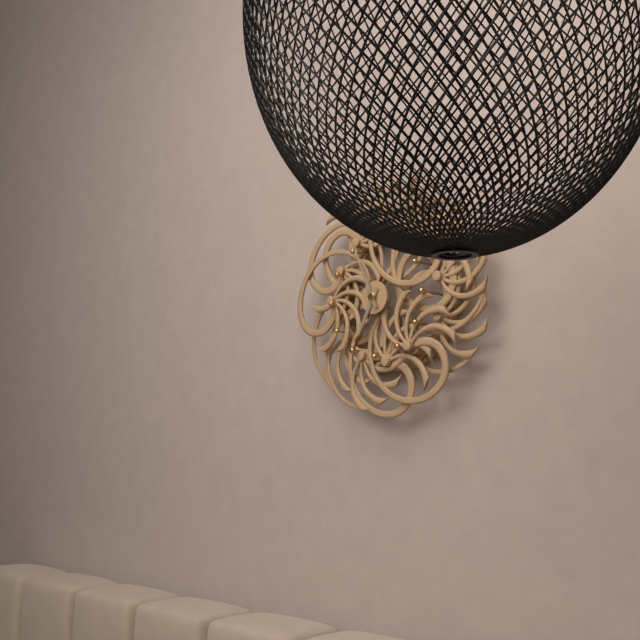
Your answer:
**6:56**
